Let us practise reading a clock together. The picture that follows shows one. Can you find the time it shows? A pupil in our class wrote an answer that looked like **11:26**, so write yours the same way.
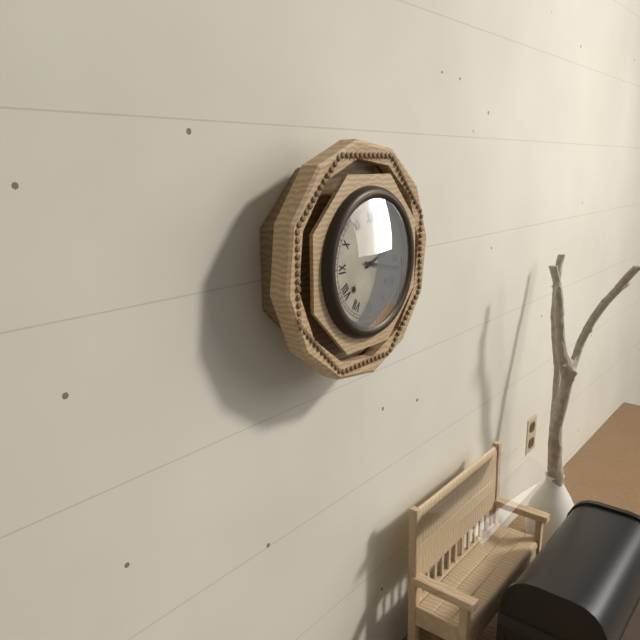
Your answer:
**2:17**
